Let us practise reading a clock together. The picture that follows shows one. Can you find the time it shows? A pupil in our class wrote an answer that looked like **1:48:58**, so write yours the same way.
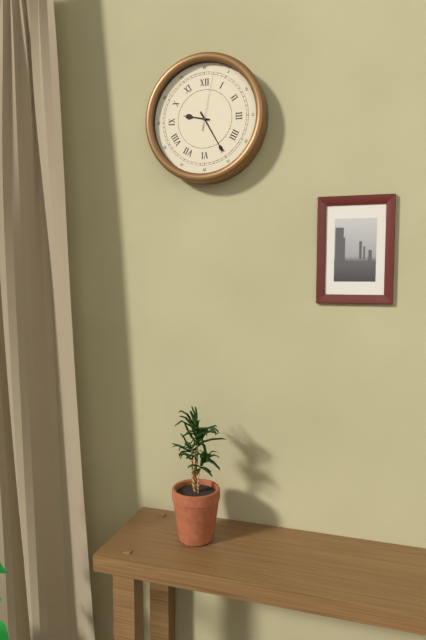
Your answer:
**9:25:02**
